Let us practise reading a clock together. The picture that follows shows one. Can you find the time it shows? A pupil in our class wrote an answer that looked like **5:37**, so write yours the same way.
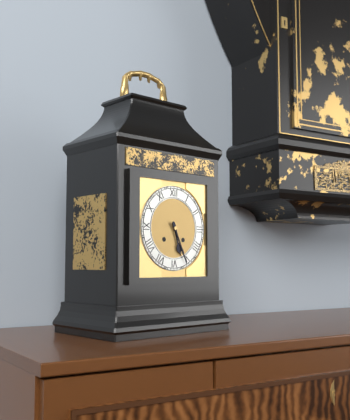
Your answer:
**5:26**
